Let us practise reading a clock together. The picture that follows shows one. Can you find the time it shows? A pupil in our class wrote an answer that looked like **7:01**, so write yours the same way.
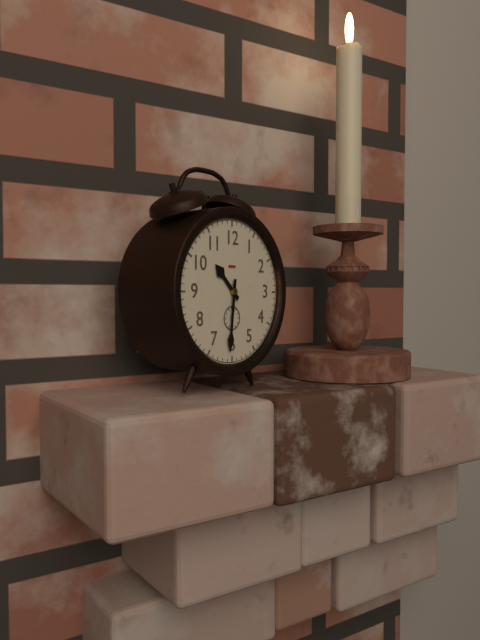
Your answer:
**10:31**
